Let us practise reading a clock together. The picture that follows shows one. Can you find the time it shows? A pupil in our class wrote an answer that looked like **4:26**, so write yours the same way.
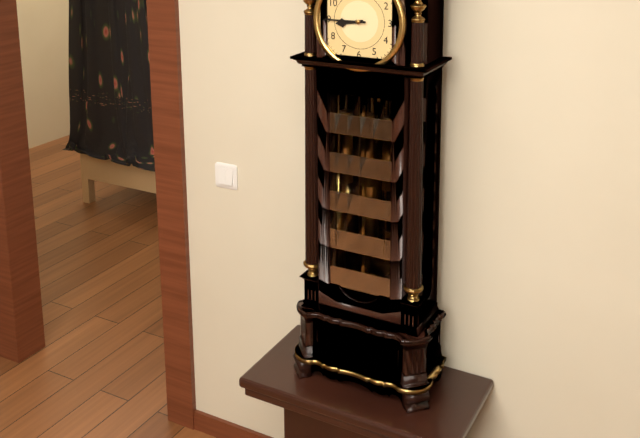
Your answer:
**8:45**
